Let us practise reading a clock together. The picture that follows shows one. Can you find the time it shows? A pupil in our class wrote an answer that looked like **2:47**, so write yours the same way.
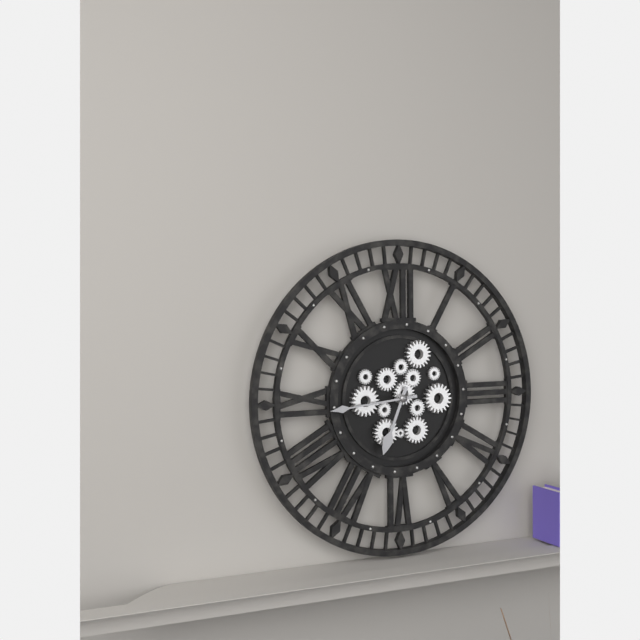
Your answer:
**6:44**
